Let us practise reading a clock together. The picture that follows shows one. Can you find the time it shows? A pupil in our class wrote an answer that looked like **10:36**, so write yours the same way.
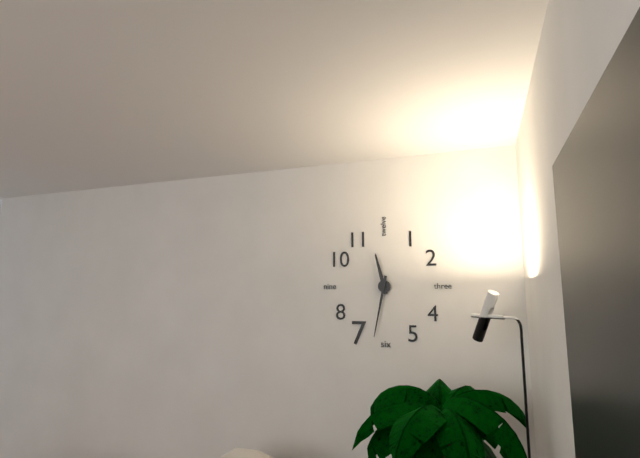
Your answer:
**11:32**
